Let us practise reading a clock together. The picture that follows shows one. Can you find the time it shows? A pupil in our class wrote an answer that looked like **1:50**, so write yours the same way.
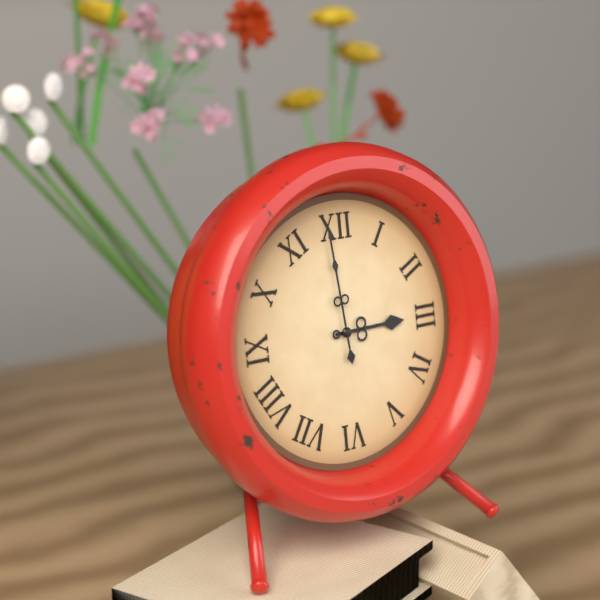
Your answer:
**2:59**
